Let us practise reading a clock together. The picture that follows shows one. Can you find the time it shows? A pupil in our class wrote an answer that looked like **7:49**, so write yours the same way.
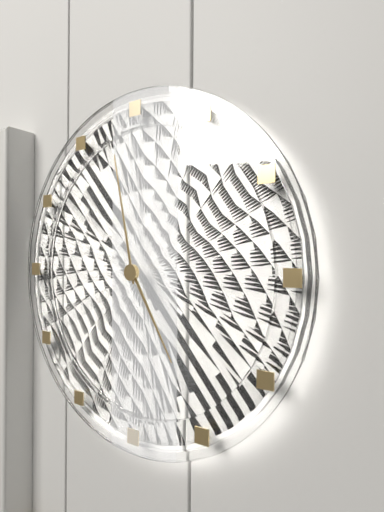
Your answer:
**4:58**
